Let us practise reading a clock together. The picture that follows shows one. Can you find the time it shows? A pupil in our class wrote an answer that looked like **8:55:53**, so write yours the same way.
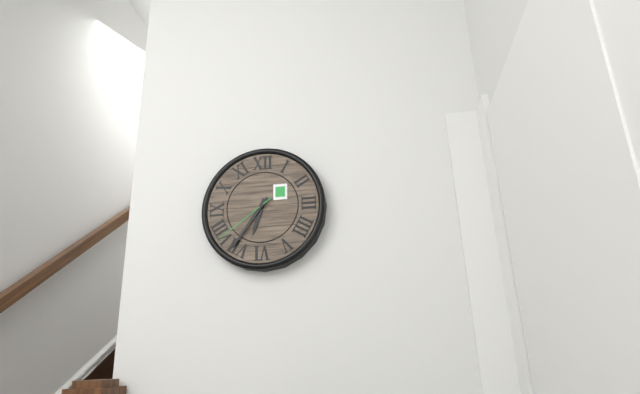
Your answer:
**6:36:39**
